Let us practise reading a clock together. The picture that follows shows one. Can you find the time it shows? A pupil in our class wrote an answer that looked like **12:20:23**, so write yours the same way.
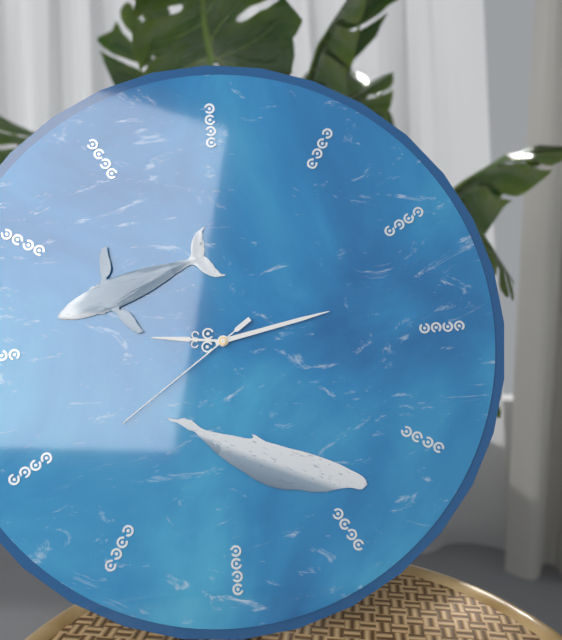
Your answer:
**9:13:39**
